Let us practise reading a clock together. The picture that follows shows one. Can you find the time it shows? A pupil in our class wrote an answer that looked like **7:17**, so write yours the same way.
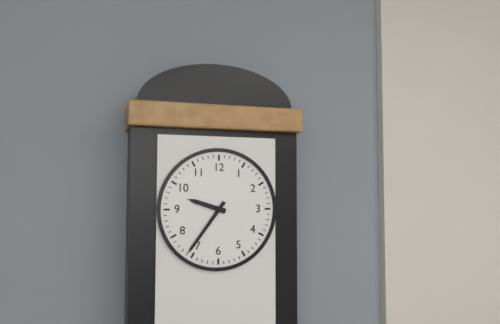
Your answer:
**9:36**
